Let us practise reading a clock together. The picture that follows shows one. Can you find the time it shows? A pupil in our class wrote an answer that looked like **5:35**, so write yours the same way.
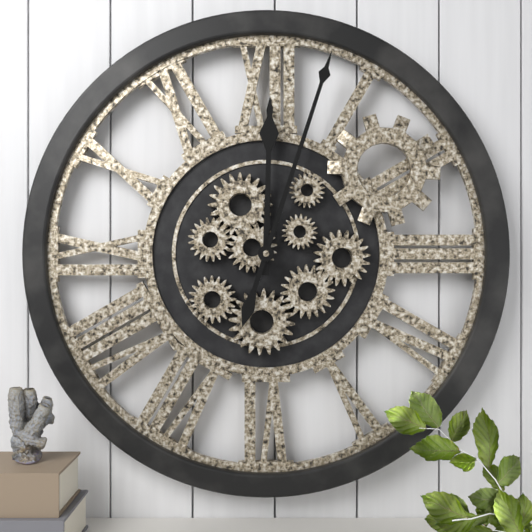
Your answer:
**12:03**
